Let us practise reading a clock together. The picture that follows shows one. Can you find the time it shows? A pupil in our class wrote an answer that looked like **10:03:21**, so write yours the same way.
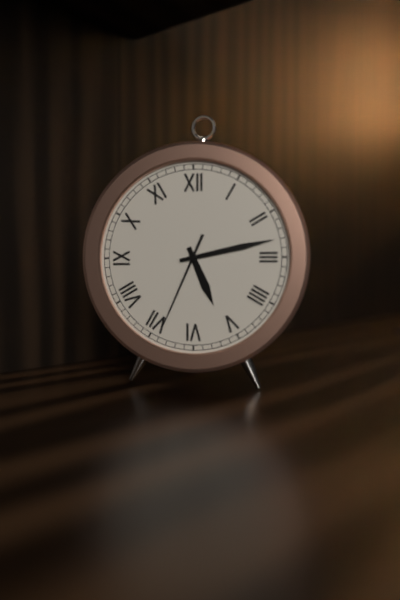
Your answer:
**5:13:34**
